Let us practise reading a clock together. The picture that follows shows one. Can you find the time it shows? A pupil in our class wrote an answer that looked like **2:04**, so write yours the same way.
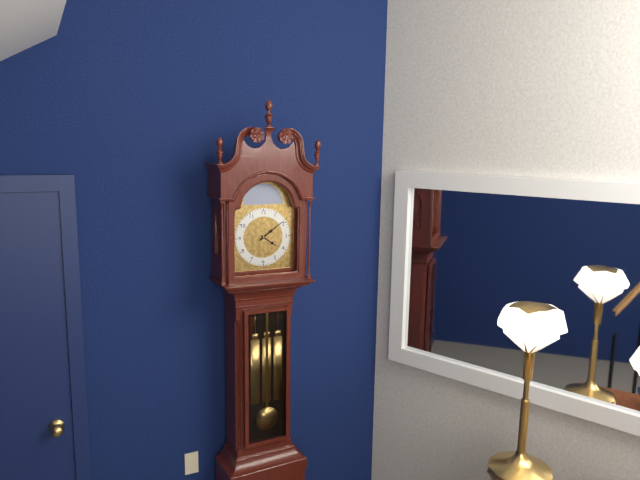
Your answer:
**4:09**
